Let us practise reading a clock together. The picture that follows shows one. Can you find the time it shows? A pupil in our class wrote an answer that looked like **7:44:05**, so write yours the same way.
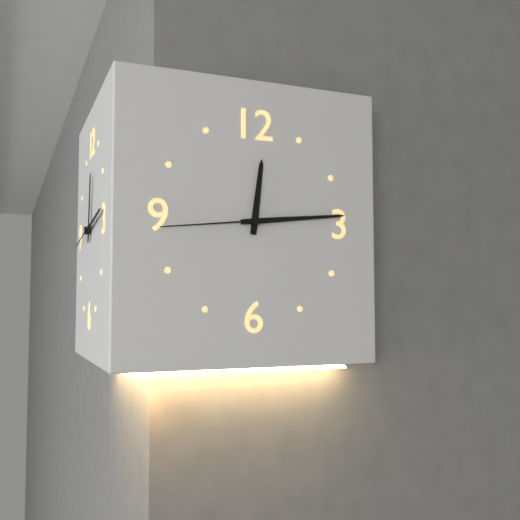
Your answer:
**12:14:44**
